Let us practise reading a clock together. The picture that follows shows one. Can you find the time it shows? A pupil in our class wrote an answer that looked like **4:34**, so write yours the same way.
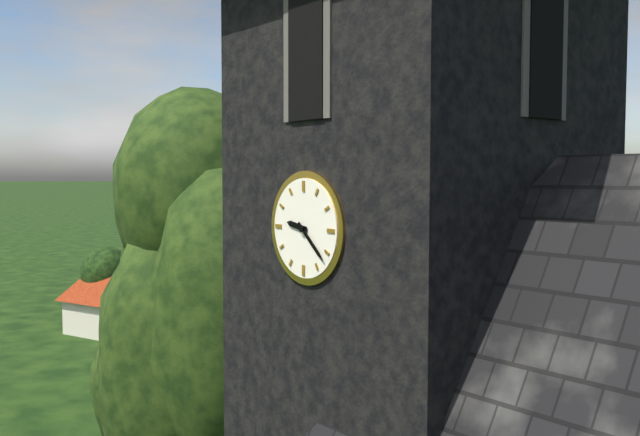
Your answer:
**9:22**
